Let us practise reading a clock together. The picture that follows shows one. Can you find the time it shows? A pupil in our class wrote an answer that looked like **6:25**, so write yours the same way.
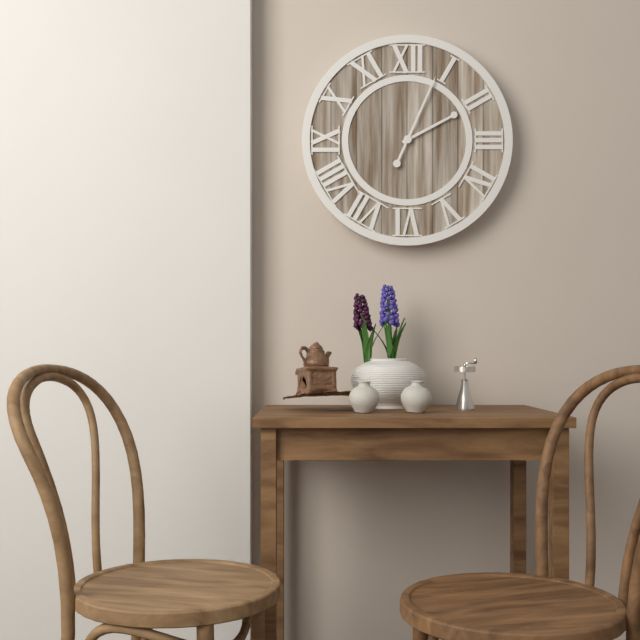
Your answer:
**2:04**
